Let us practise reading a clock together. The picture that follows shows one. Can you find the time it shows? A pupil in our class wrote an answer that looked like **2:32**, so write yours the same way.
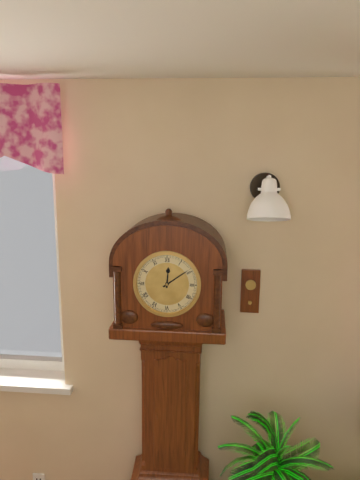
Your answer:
**12:09**
